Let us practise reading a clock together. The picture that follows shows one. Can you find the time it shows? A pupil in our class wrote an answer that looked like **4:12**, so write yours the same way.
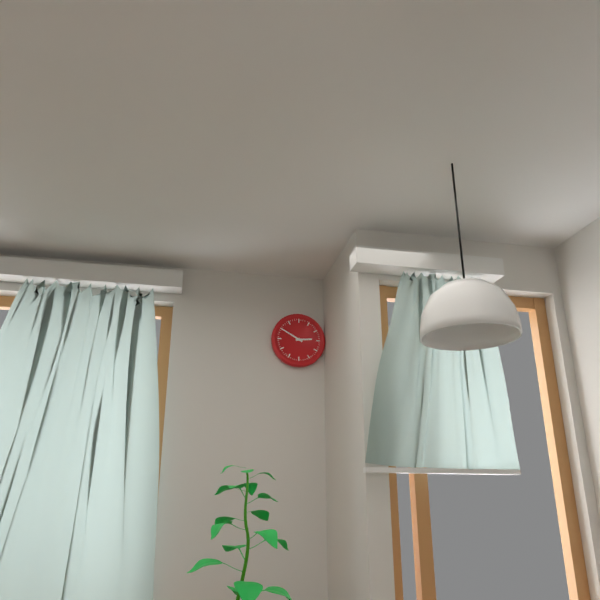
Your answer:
**2:50**
